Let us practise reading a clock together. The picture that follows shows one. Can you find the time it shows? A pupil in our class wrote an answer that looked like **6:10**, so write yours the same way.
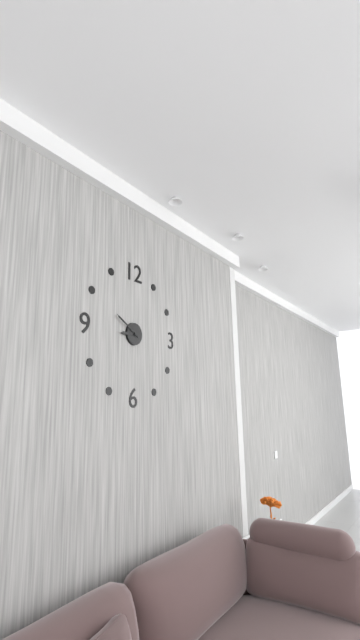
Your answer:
**8:50**
